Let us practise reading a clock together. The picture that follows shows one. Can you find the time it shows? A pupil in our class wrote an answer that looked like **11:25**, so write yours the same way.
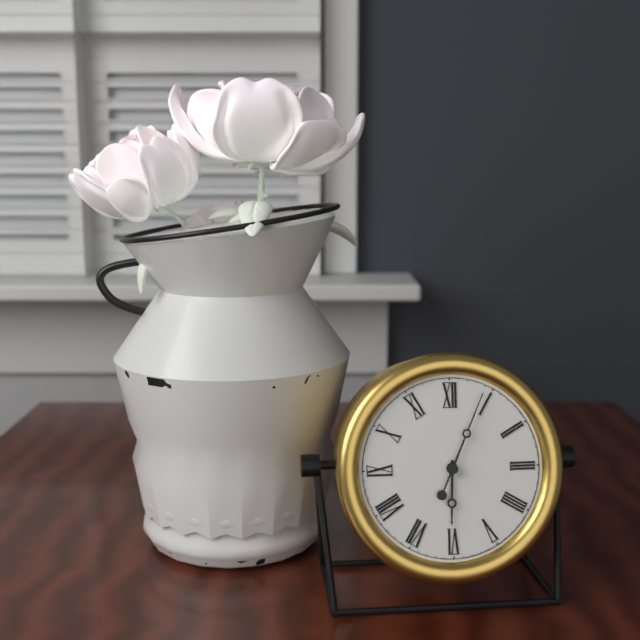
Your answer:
**6:04**
